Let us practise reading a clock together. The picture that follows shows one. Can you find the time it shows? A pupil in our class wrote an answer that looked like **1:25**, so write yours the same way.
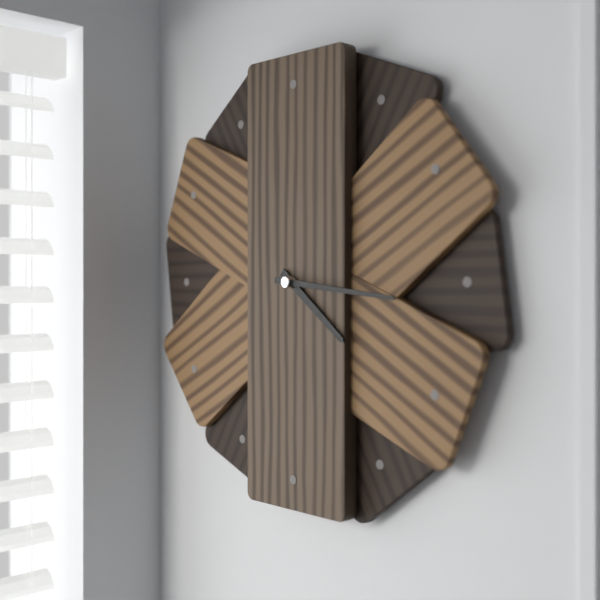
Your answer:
**4:16**
